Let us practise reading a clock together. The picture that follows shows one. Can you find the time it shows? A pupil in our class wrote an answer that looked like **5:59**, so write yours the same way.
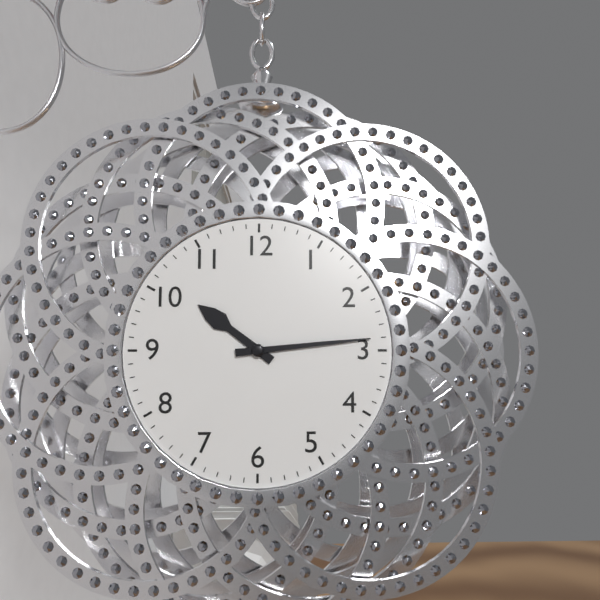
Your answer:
**10:14**
